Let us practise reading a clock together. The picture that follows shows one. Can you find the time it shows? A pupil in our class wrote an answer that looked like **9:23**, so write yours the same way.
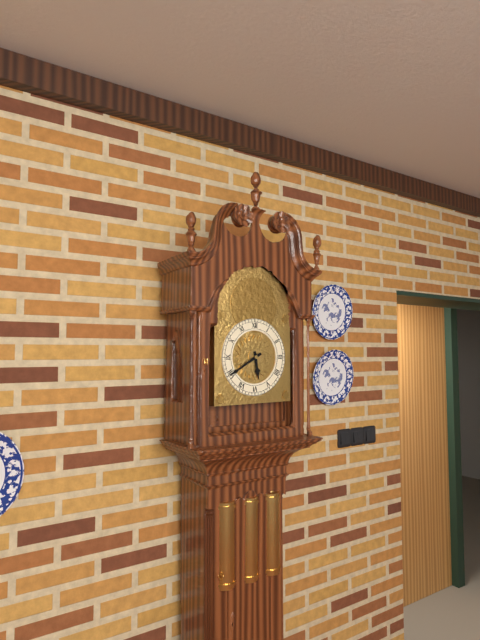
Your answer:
**5:40**
